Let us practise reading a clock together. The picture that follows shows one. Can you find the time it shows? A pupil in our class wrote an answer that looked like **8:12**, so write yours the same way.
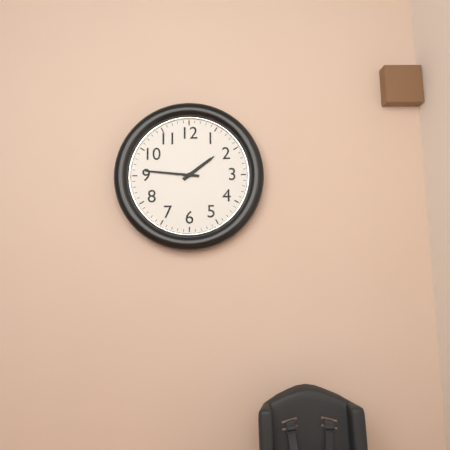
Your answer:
**1:46**
